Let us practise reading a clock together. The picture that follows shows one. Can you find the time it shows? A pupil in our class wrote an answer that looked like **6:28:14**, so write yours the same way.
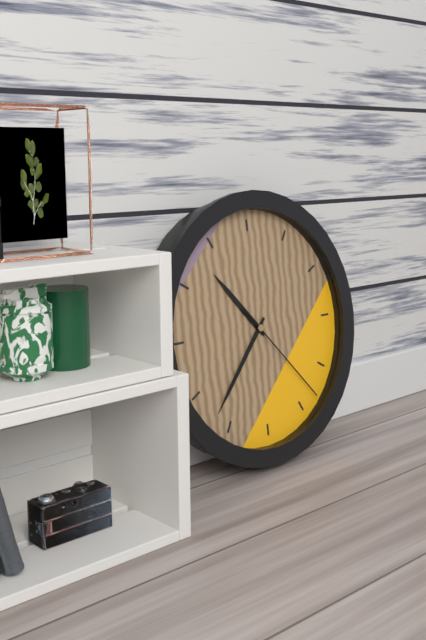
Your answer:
**10:37:23**
